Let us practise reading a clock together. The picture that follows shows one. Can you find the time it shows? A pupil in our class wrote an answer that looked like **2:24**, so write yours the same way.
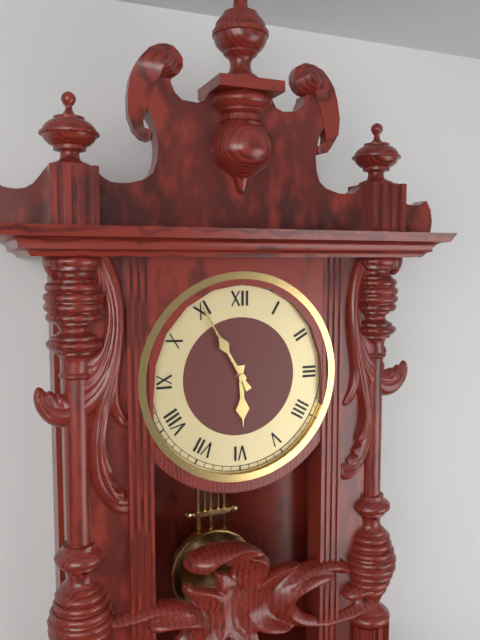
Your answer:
**5:55**
